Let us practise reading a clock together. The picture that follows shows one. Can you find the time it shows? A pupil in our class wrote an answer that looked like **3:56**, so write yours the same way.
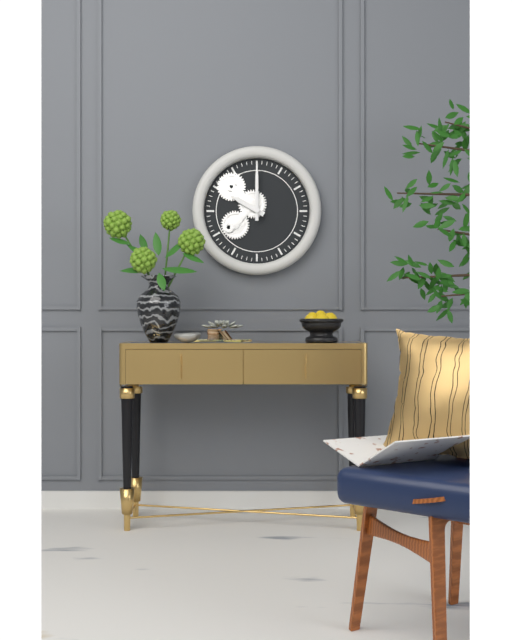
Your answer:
**10:00**
